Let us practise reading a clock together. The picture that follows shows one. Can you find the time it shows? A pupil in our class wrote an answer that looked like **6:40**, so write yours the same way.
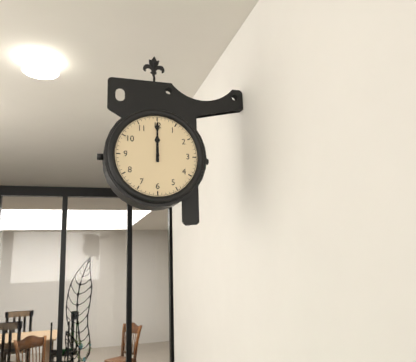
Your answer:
**12:00**
